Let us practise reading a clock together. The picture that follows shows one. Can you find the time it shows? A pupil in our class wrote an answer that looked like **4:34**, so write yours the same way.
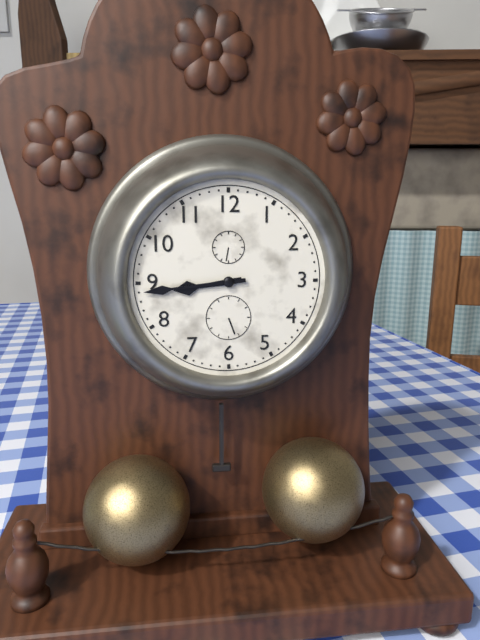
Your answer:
**8:44**
